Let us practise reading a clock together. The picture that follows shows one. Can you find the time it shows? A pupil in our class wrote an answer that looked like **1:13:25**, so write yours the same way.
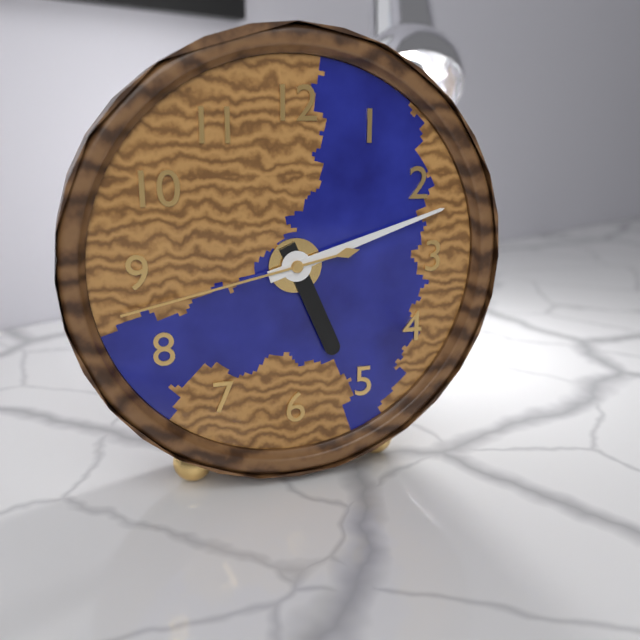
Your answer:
**5:12:43**
